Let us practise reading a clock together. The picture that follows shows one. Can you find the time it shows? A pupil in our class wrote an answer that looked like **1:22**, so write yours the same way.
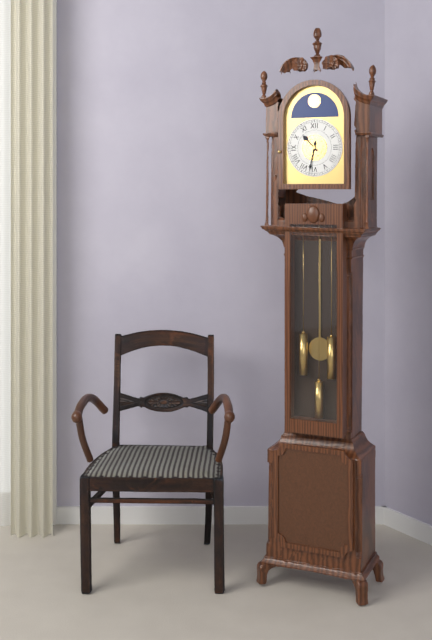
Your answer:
**10:32**
